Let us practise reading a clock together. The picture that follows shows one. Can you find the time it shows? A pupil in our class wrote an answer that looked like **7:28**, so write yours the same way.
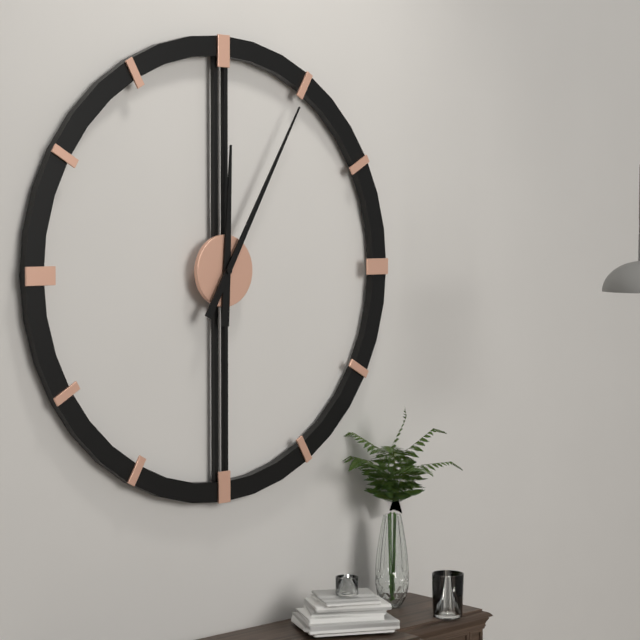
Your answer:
**12:05**
